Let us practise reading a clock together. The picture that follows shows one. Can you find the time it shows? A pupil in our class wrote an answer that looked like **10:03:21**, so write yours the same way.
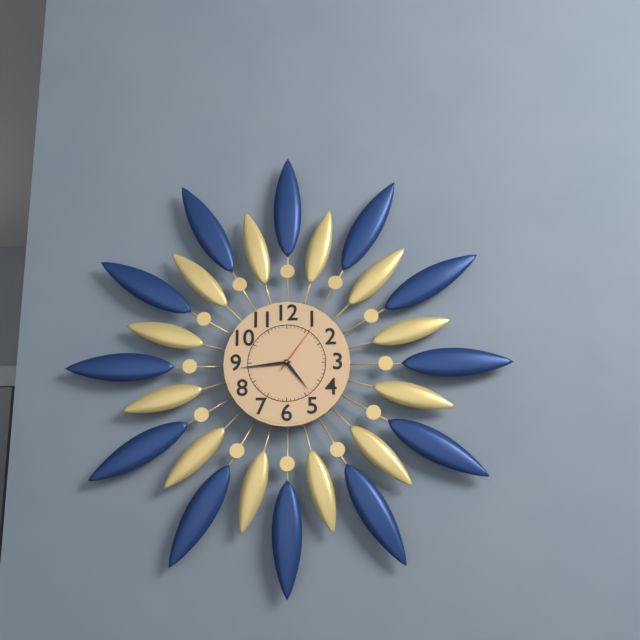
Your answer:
**4:44:06**
